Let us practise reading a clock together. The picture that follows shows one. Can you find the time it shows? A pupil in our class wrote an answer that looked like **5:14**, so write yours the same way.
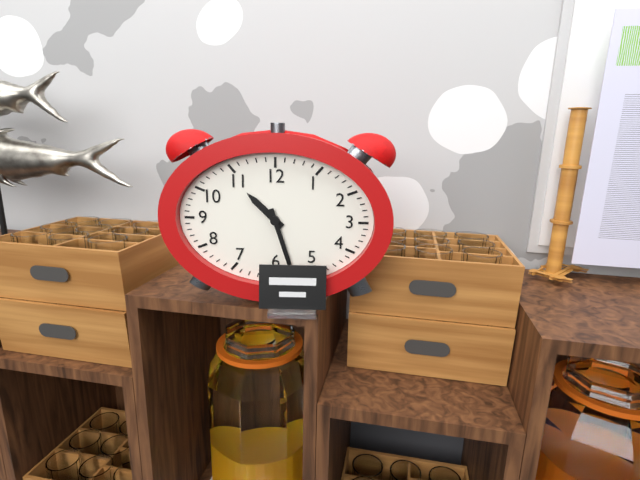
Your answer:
**10:27**
